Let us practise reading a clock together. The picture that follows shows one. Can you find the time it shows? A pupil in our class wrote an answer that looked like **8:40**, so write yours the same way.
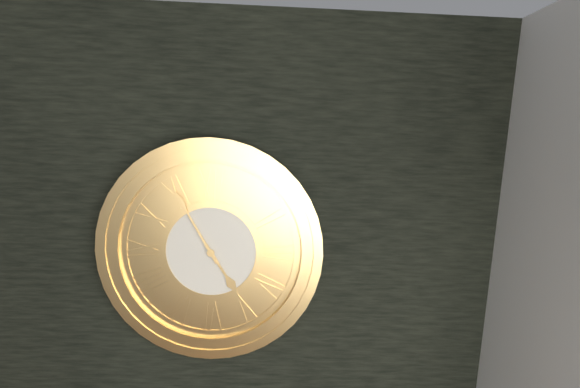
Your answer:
**4:55**
